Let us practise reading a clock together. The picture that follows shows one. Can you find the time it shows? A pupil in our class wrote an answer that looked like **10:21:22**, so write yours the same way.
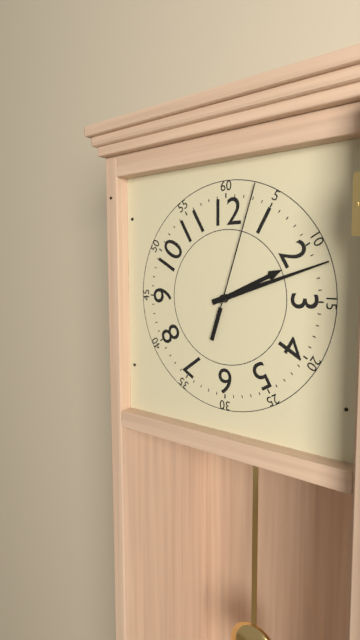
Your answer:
**2:12:03**
